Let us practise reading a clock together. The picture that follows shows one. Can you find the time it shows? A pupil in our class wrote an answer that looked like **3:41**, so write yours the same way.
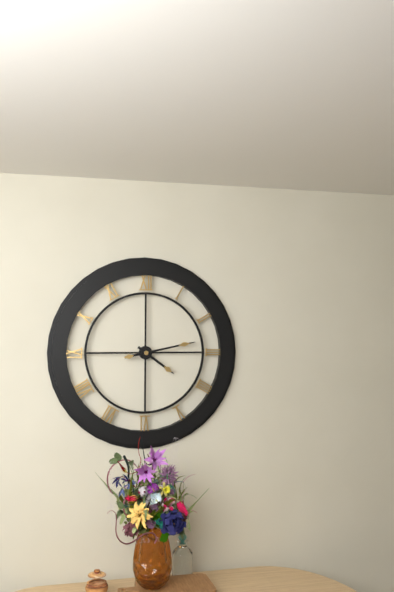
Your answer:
**4:13**
